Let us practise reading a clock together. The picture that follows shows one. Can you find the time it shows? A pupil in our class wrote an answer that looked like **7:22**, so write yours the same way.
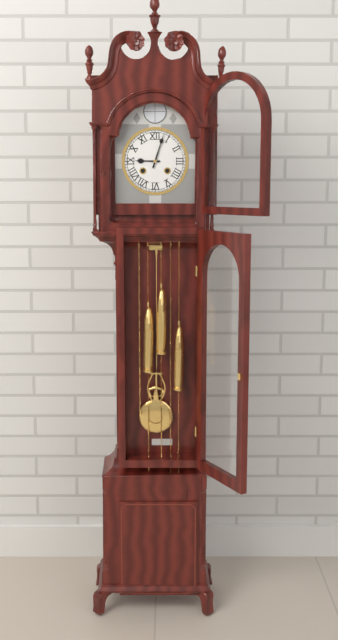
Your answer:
**9:03**
